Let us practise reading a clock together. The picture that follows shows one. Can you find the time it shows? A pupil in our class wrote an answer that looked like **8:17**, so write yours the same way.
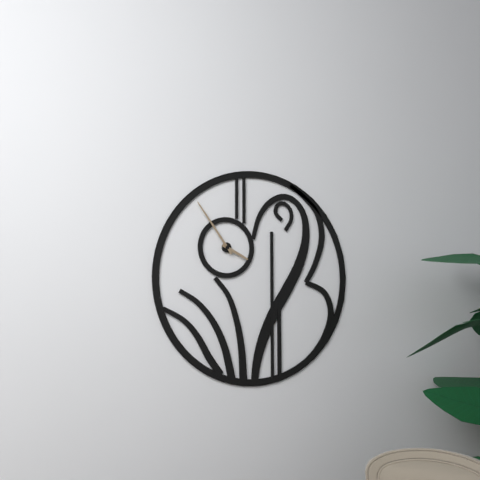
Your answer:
**3:54**
